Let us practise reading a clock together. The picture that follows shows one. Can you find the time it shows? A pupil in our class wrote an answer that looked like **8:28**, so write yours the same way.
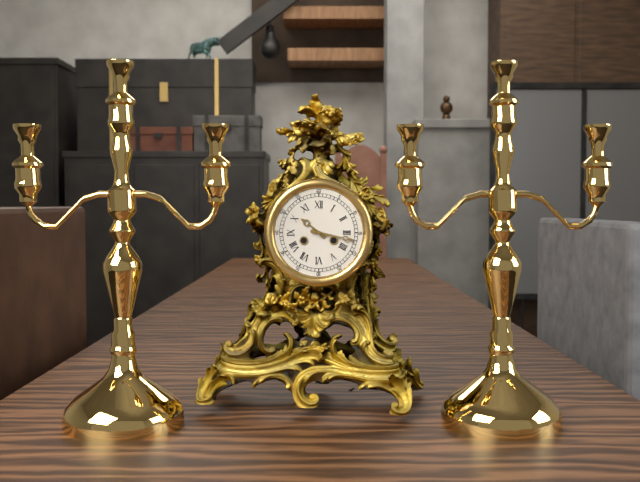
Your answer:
**10:17**
